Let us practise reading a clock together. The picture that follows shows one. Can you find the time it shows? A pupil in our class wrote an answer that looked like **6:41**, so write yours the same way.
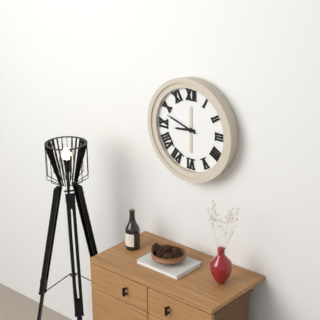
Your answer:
**8:48**
